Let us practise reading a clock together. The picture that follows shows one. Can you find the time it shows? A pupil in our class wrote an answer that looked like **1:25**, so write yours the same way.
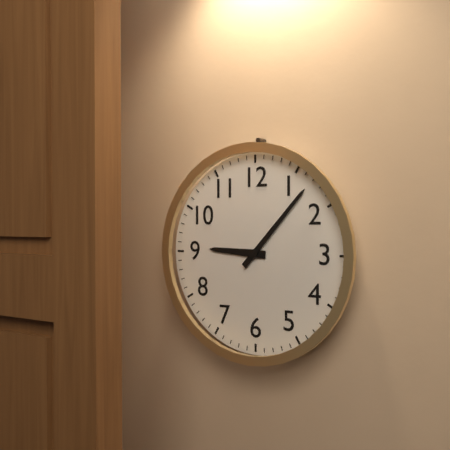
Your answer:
**9:07**
